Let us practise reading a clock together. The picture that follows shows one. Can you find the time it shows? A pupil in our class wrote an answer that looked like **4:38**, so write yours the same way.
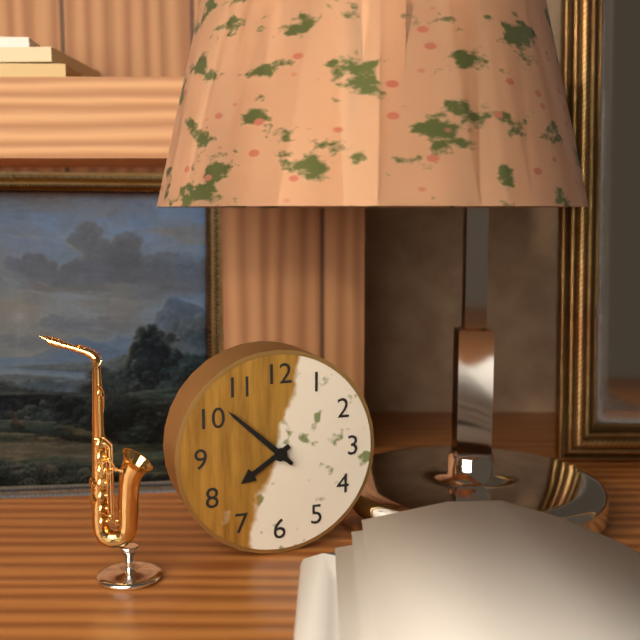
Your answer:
**7:52**
